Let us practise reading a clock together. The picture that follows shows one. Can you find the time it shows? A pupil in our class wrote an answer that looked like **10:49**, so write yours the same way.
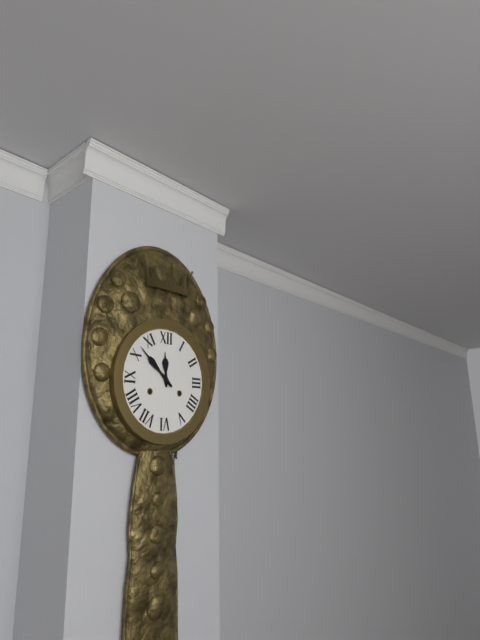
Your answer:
**11:52**
